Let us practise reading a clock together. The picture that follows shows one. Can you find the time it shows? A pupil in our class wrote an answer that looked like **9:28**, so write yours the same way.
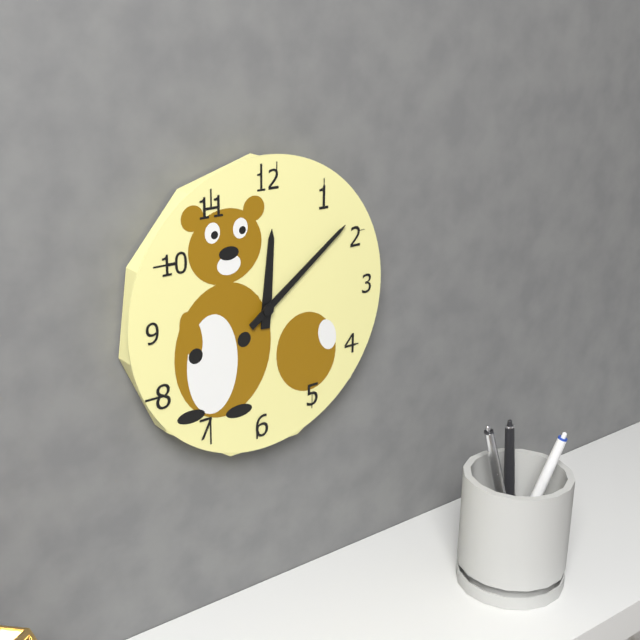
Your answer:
**12:09**
